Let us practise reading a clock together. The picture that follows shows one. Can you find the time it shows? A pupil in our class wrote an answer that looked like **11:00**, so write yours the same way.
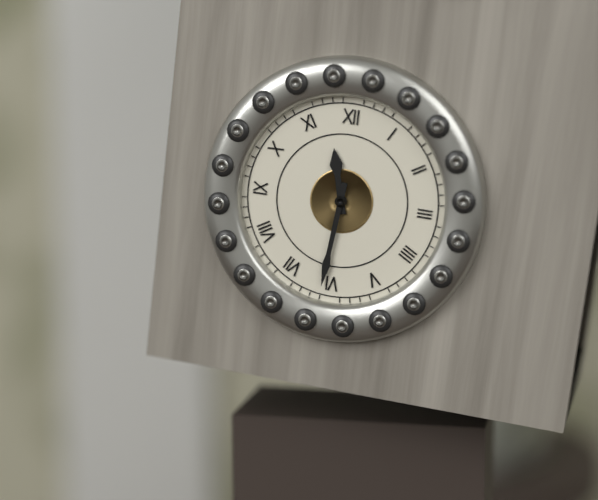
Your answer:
**11:31**
